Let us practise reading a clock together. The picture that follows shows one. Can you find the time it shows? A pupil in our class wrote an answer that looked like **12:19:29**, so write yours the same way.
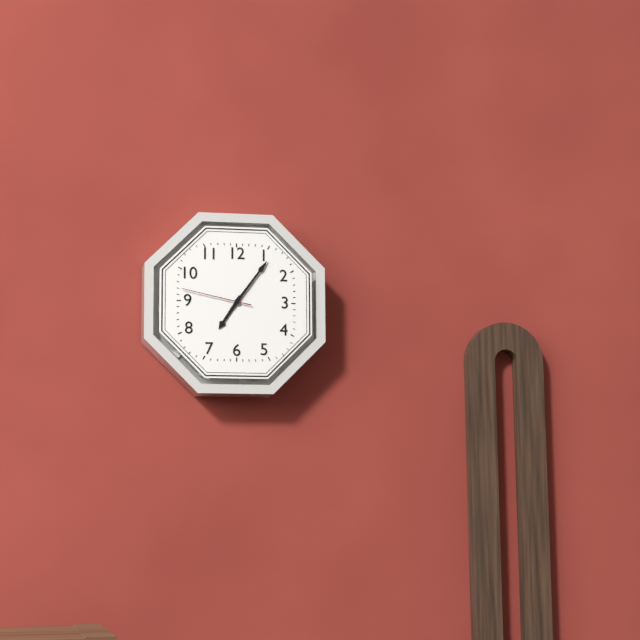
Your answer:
**7:06:47**
